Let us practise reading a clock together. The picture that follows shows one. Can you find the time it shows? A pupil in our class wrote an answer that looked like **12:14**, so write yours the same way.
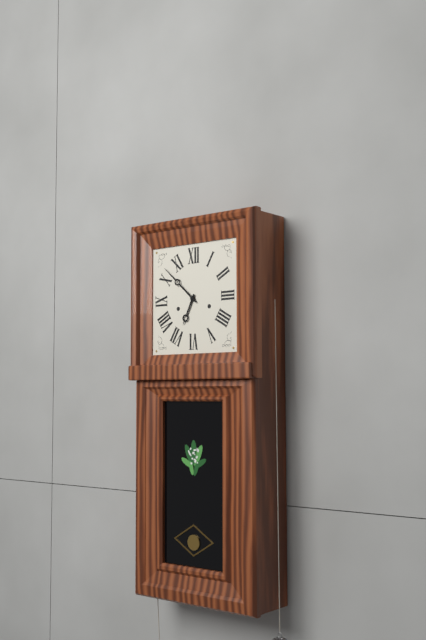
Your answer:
**6:52**
